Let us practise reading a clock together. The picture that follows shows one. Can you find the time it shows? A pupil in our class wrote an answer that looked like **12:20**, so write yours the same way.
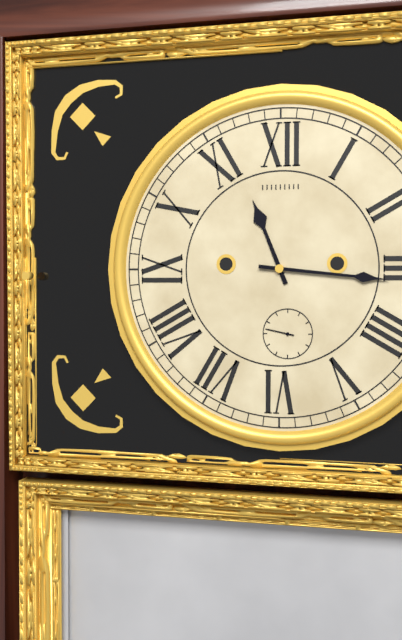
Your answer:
**11:16**
